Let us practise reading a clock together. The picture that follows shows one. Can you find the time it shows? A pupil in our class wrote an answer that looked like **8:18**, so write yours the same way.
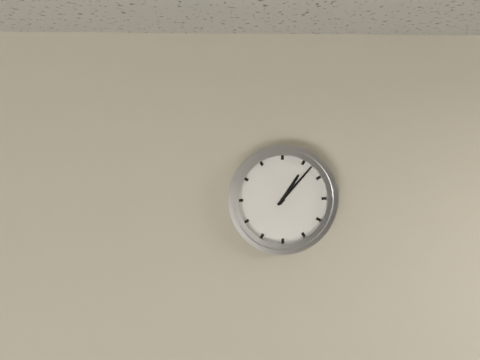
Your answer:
**1:07**
